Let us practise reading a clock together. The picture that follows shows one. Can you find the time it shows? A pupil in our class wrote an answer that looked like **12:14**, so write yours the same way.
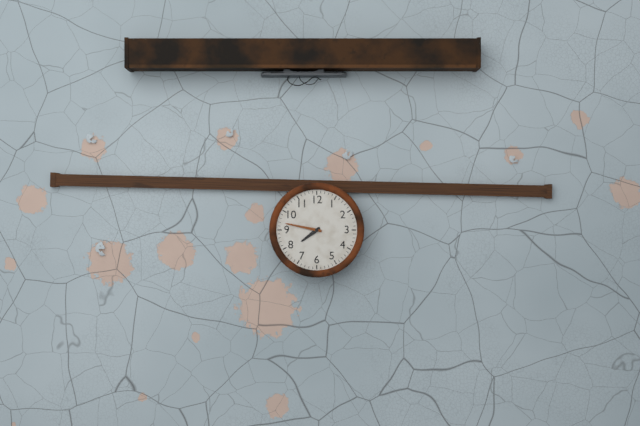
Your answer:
**7:47**
